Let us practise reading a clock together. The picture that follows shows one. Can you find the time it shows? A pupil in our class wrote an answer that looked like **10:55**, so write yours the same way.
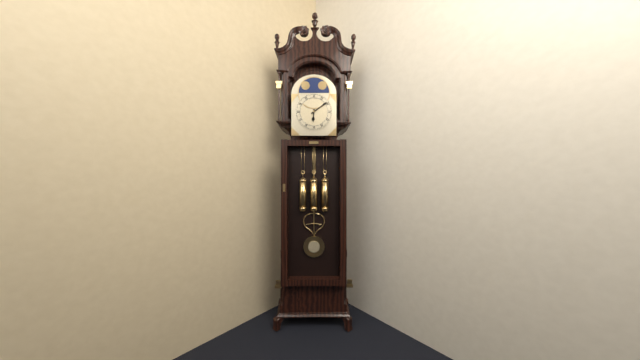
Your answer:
**6:09**
